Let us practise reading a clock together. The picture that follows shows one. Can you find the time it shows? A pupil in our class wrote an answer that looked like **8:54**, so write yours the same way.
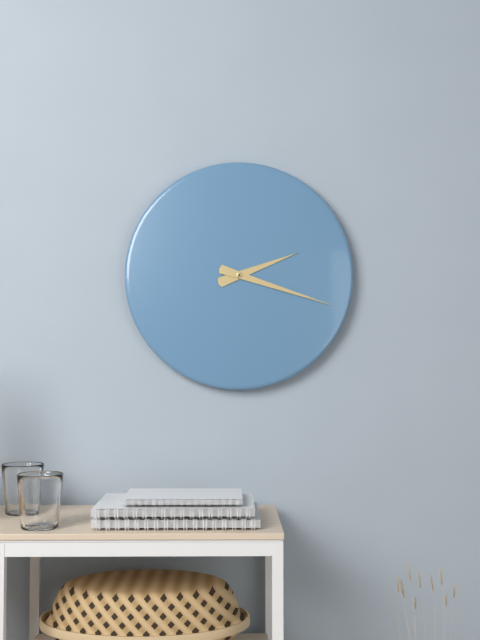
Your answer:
**2:18**
